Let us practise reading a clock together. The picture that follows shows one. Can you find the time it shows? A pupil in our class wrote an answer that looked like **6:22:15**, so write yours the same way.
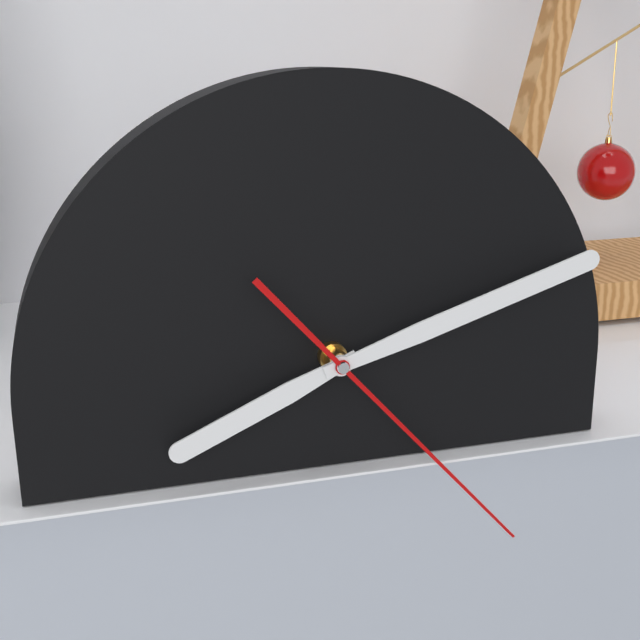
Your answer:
**8:12:23**
